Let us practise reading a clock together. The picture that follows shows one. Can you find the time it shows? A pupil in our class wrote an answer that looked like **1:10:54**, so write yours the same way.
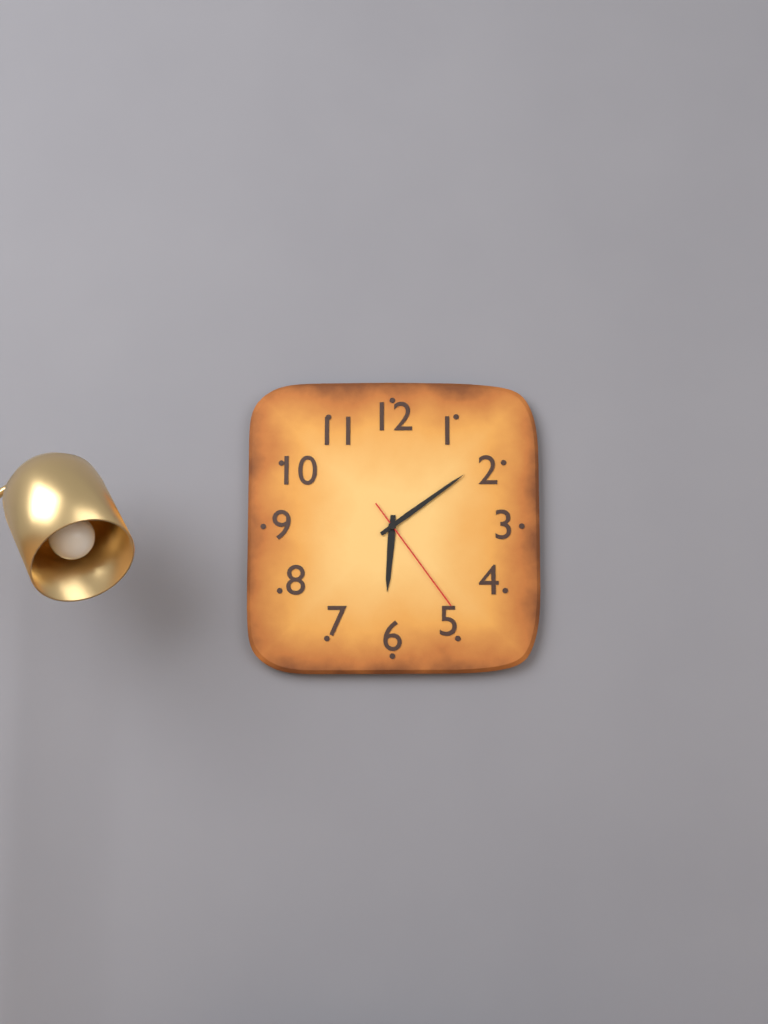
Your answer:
**6:09:24**
